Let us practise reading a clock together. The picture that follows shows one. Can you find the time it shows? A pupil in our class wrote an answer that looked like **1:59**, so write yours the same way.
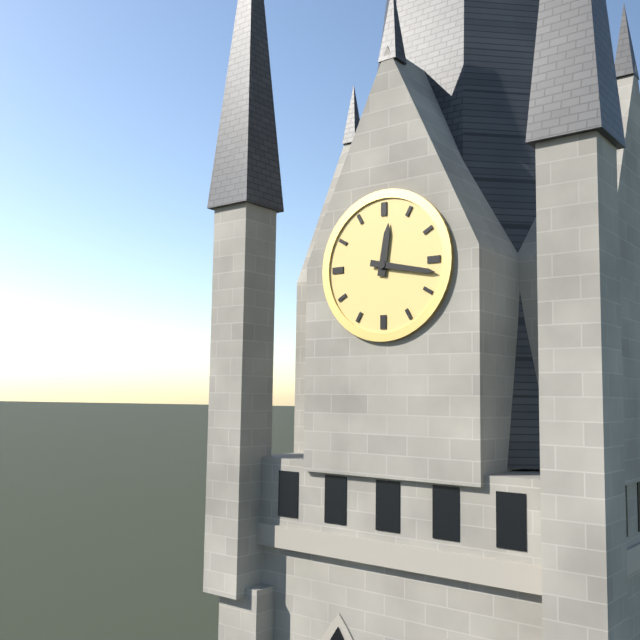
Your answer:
**12:17**
